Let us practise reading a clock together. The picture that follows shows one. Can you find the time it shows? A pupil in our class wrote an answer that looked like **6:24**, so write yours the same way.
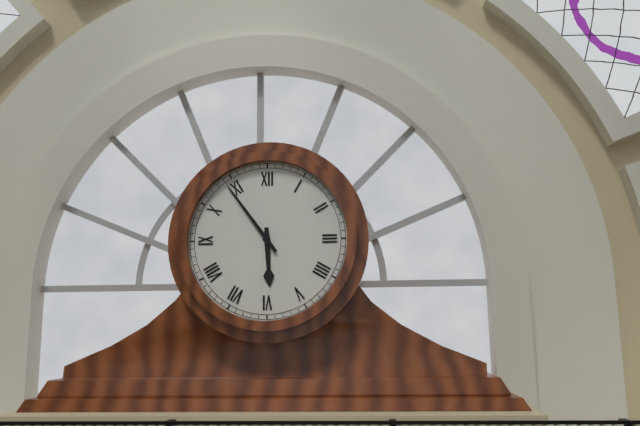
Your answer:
**5:54**
